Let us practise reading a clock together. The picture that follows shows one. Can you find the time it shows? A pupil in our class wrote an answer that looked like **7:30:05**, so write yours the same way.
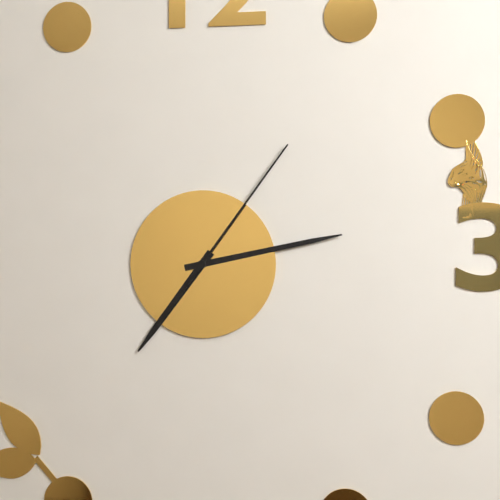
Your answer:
**7:13:06**
